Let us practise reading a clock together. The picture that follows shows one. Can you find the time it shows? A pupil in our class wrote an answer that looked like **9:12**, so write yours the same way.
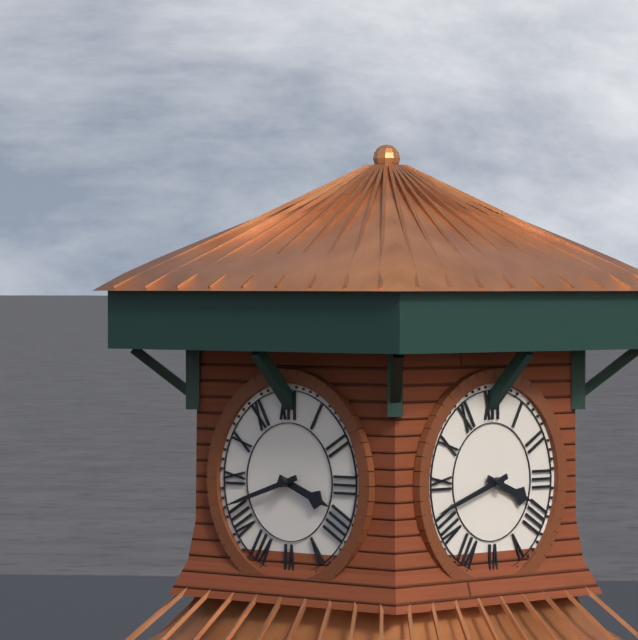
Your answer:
**3:42**
